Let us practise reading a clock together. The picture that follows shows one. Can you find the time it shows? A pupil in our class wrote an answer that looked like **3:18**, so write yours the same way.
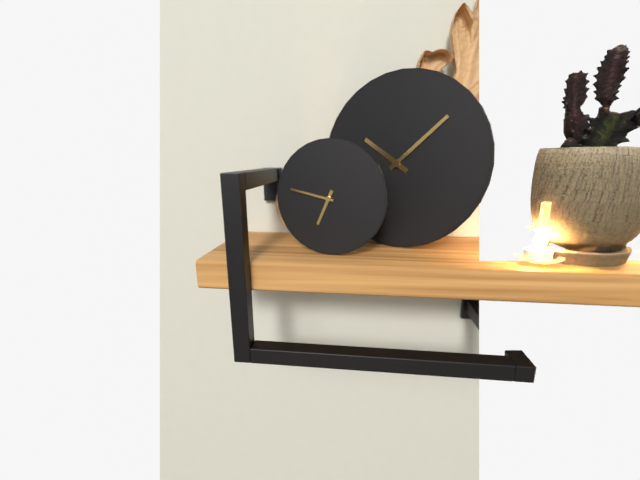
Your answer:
**6:47**
